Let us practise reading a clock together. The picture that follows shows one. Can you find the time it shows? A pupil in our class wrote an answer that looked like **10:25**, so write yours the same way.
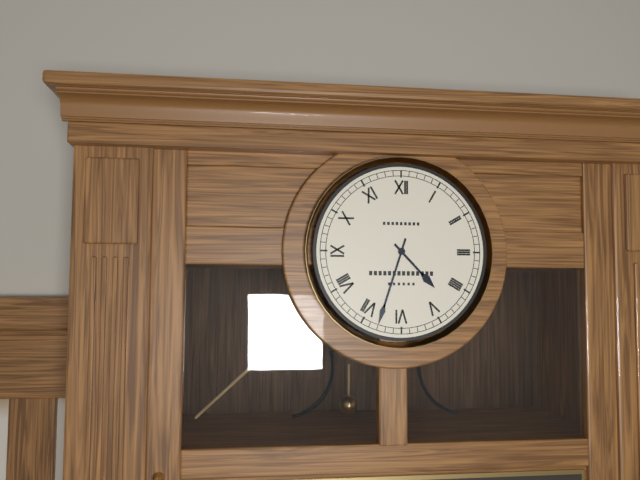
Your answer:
**4:33**
